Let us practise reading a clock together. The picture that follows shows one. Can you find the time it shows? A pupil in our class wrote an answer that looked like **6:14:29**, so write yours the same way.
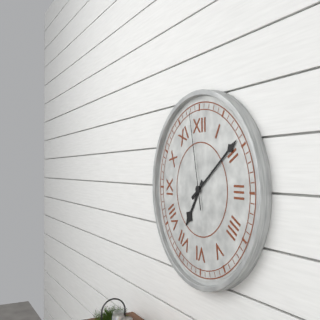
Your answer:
**7:09:58**
